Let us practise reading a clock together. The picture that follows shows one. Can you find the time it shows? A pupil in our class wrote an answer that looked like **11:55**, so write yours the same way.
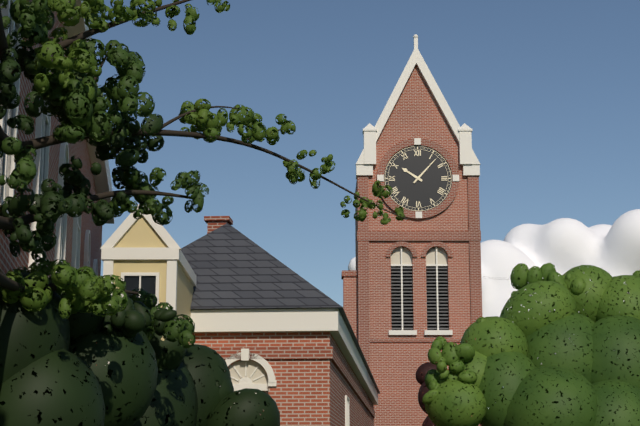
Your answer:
**10:07**
